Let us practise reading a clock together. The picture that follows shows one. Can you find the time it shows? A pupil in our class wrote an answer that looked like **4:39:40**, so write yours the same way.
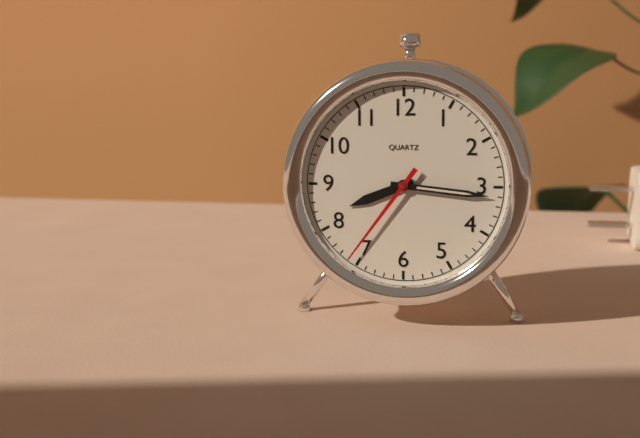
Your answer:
**8:16:36**
